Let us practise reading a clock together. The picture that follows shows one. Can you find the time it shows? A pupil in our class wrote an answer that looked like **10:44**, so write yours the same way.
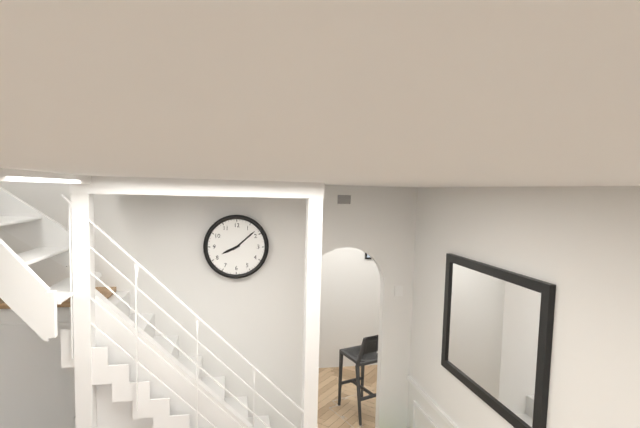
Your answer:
**8:08**
